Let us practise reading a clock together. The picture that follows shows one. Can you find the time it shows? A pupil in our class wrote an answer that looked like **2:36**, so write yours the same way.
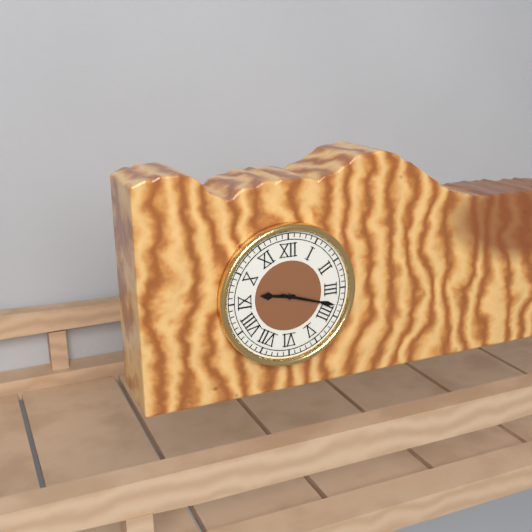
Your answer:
**9:18**
